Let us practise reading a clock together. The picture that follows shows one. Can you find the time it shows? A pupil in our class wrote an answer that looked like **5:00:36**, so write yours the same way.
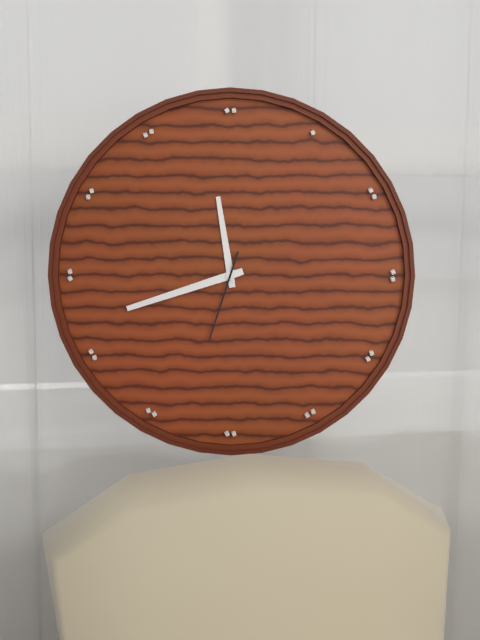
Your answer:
**11:42:33**
